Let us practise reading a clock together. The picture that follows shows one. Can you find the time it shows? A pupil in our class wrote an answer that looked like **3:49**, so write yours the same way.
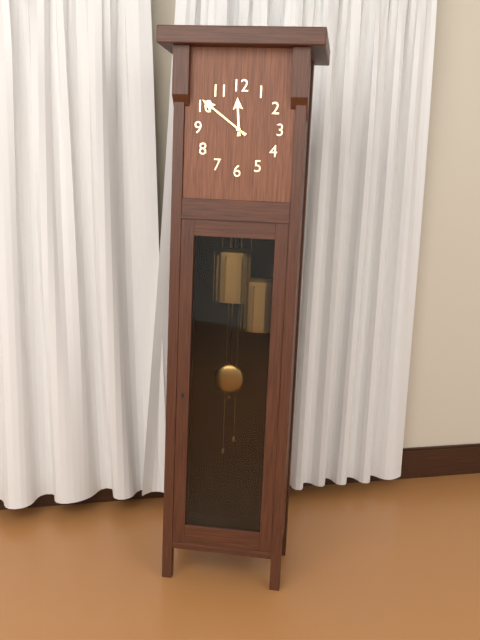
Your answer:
**11:51**
